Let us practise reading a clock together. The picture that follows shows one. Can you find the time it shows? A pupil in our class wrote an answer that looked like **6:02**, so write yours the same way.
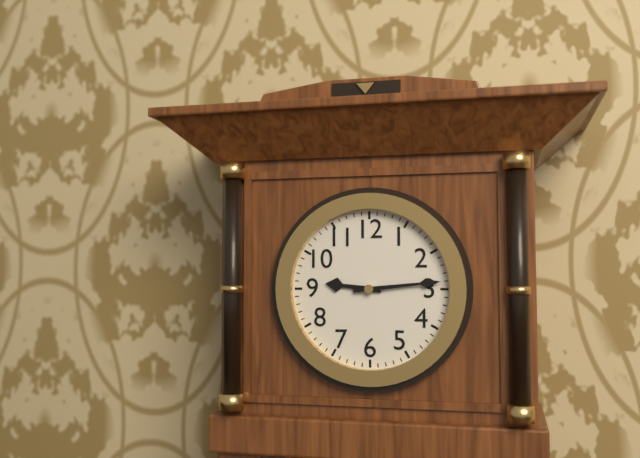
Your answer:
**9:14**
